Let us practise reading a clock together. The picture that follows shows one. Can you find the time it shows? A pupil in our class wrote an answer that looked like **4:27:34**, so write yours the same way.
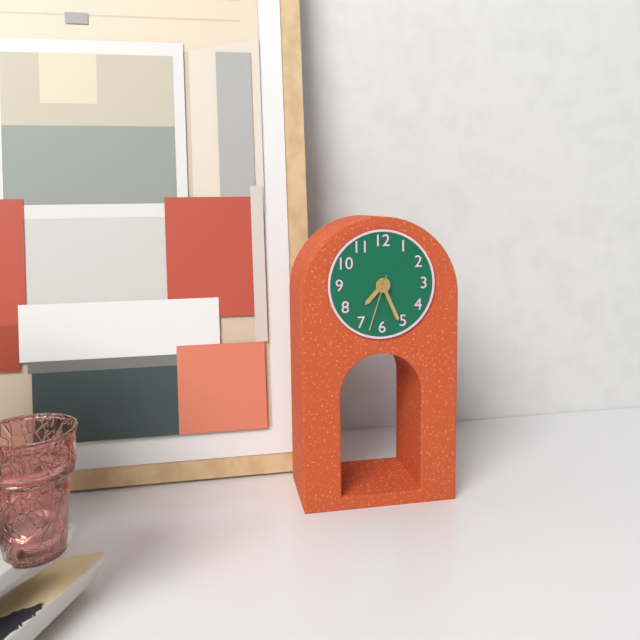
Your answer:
**7:26:33**
